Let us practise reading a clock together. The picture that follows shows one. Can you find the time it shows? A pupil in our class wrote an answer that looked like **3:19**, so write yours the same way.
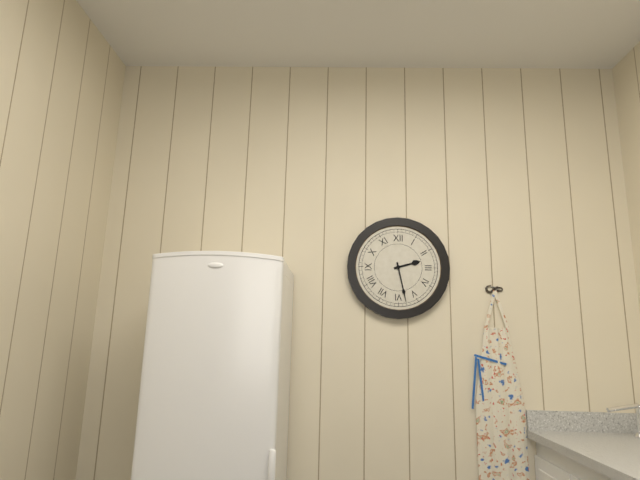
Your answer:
**2:28**
